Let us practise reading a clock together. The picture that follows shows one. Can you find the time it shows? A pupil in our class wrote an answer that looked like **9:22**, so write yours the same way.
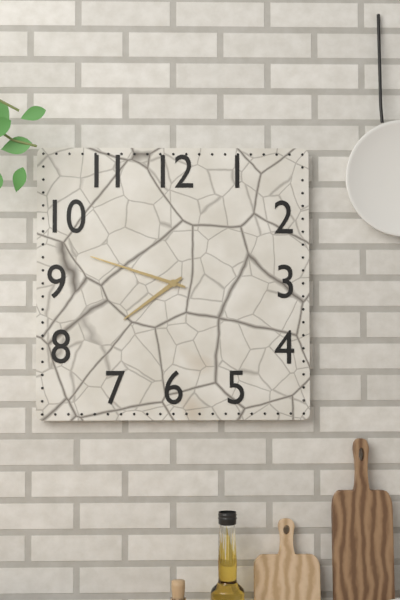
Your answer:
**7:48**
